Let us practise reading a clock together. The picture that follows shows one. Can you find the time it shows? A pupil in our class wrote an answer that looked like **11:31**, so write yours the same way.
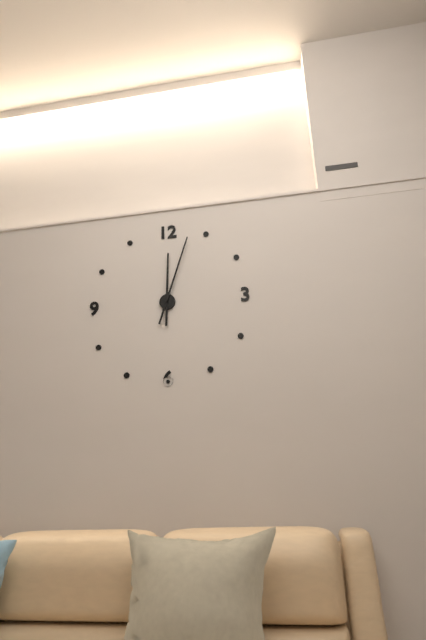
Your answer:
**12:03**
